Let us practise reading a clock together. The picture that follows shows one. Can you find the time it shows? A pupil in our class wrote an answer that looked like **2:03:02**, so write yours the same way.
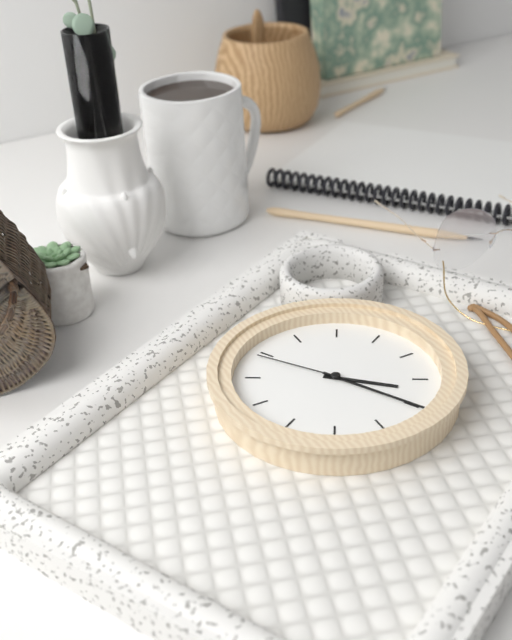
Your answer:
**4:25:54**
